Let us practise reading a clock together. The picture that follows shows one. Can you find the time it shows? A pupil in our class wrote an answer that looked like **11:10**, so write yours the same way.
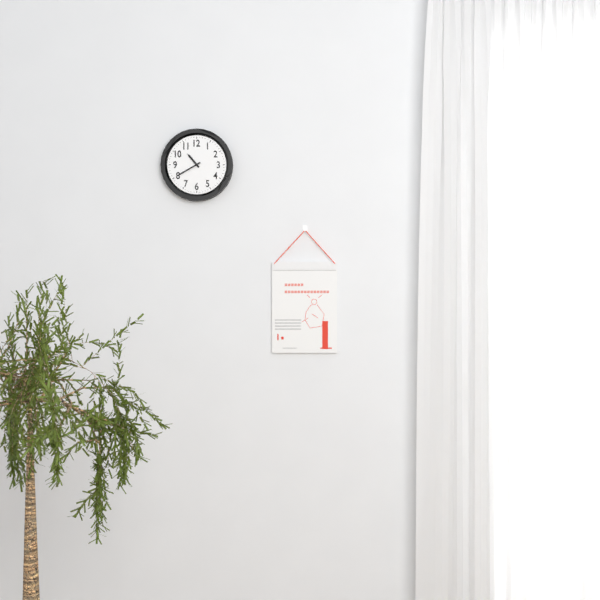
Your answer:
**10:40**
